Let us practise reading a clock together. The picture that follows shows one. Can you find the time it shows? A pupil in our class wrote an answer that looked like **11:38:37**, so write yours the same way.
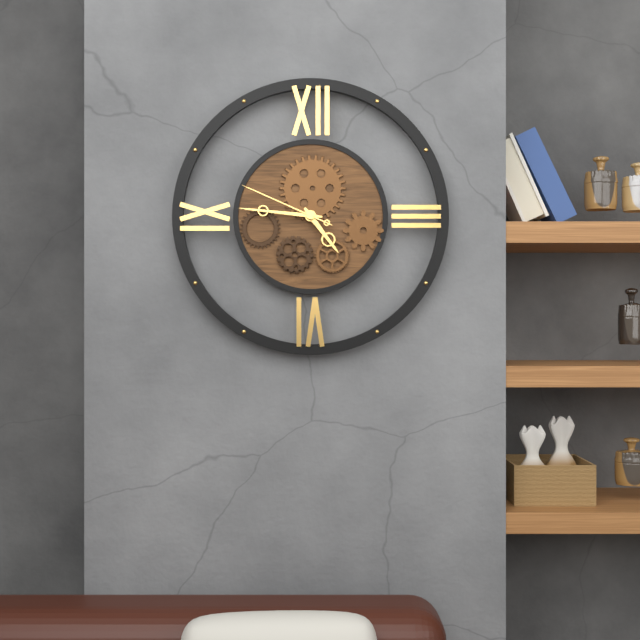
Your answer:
**4:46:49**
